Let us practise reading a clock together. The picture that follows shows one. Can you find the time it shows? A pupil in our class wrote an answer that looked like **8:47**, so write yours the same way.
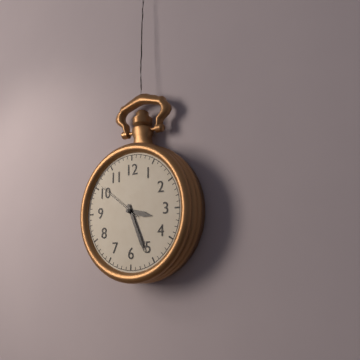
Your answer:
**3:26**
